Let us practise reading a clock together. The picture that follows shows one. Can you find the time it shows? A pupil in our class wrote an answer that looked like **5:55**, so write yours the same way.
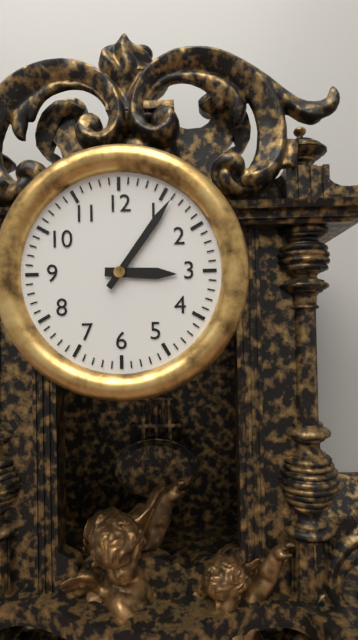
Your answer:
**3:06**
